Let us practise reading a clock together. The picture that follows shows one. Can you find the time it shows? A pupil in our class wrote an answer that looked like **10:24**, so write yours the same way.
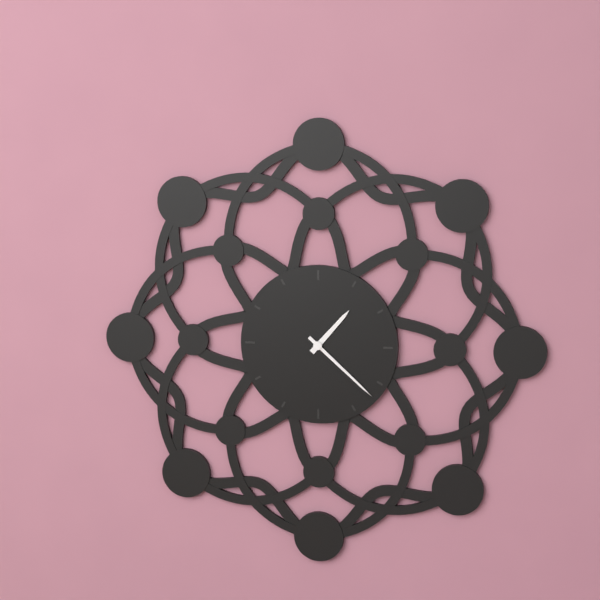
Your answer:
**1:22**
